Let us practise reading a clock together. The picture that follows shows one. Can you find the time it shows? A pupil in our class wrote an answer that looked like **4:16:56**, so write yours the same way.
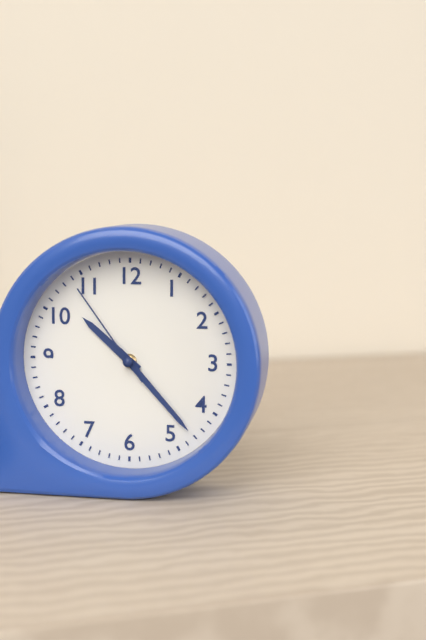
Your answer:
**10:23:54**
